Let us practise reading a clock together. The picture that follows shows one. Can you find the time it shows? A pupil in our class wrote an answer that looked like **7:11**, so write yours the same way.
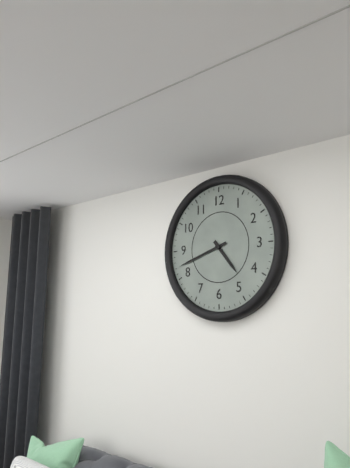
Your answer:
**4:42**
